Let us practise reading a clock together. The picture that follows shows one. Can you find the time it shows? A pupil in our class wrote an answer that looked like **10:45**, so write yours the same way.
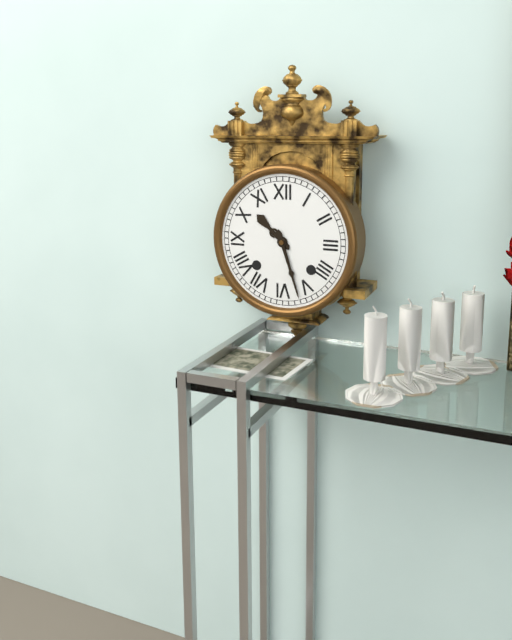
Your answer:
**10:27**
